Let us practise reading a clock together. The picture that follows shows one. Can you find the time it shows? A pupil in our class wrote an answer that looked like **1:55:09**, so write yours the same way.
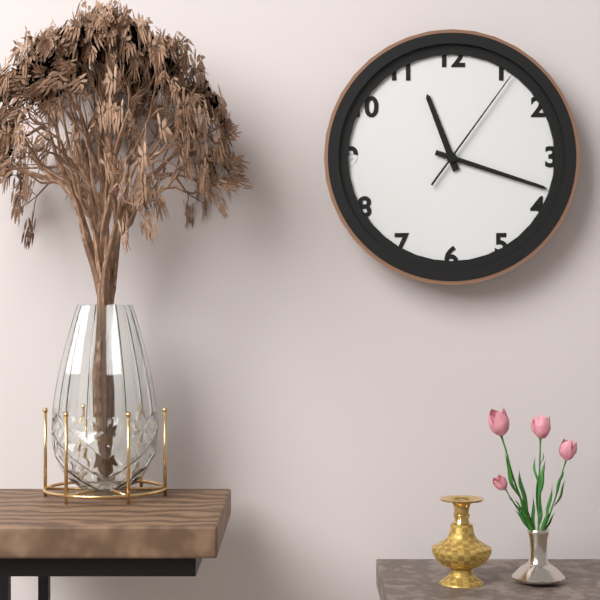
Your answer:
**11:18:06**
